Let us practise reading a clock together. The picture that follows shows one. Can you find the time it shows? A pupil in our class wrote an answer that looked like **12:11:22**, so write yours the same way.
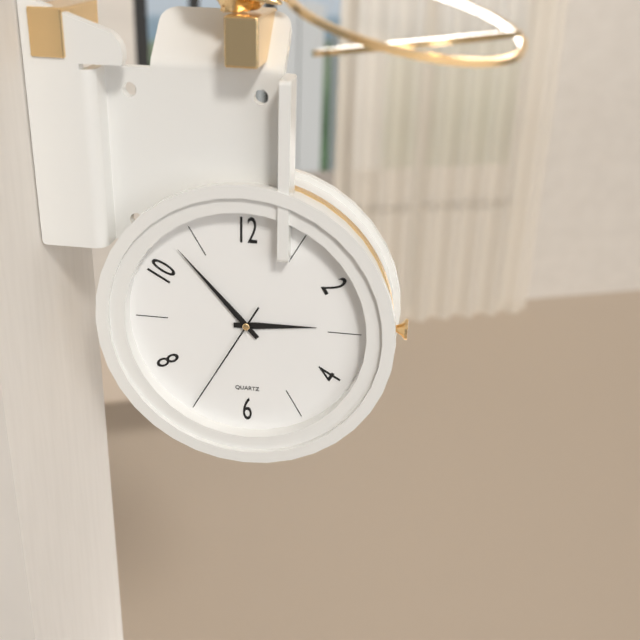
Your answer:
**2:53:35**
